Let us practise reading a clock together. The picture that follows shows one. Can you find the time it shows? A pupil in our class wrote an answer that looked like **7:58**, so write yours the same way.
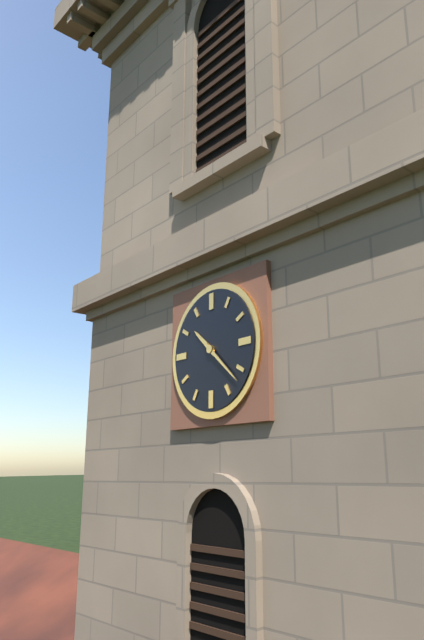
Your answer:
**10:22**
